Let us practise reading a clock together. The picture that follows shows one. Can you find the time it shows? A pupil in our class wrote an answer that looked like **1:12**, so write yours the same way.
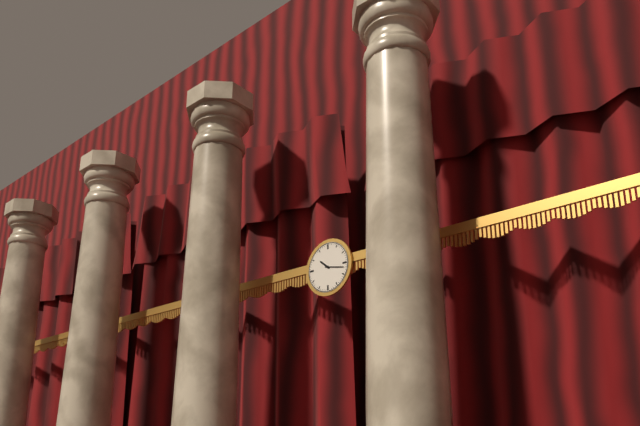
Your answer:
**10:17**
